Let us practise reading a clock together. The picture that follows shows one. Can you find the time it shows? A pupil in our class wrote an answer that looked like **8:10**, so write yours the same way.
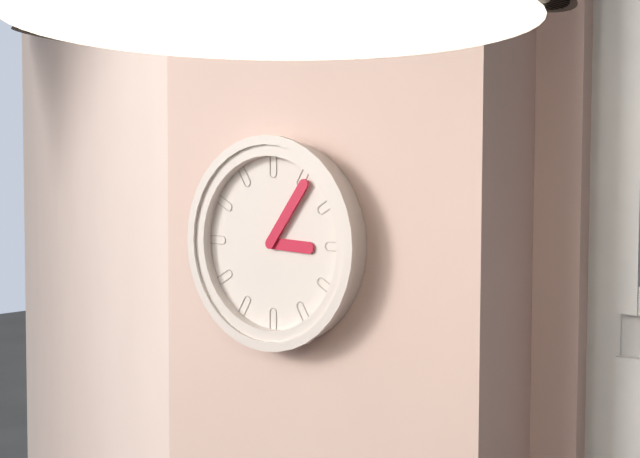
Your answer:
**3:06**
